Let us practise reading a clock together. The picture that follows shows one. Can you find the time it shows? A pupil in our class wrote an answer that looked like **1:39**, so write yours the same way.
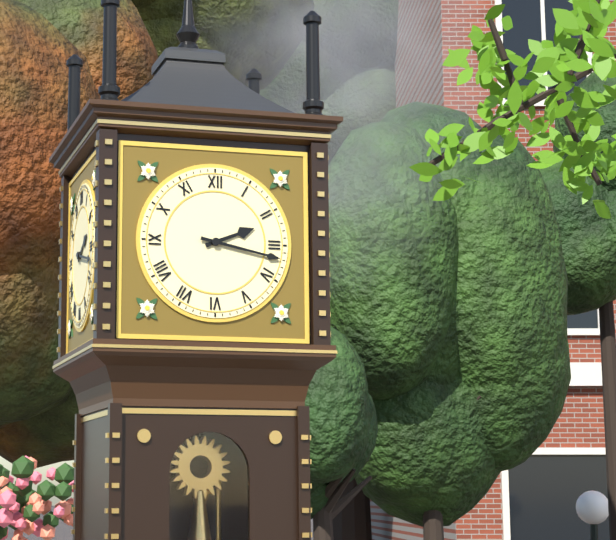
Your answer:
**2:17**
